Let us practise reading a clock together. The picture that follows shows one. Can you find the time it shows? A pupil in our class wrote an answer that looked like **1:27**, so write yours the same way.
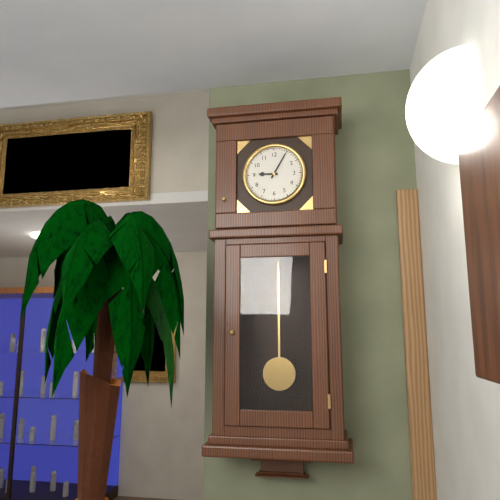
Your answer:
**9:05**
